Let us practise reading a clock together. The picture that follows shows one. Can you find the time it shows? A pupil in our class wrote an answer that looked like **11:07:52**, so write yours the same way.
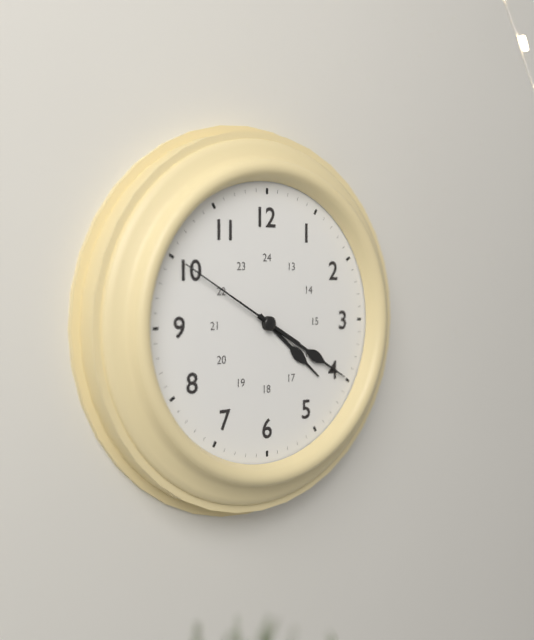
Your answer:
**4:20:50**
